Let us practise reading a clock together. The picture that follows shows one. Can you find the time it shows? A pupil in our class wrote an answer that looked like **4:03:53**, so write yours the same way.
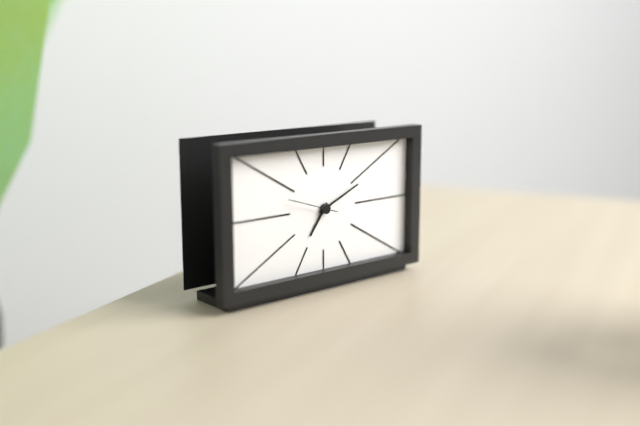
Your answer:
**7:11:48**
